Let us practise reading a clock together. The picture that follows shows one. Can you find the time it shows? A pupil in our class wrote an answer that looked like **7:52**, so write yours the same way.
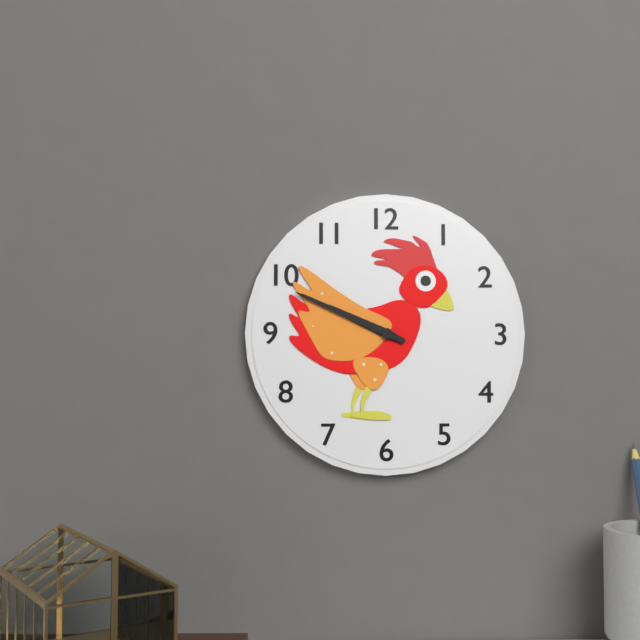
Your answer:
**9:49**
